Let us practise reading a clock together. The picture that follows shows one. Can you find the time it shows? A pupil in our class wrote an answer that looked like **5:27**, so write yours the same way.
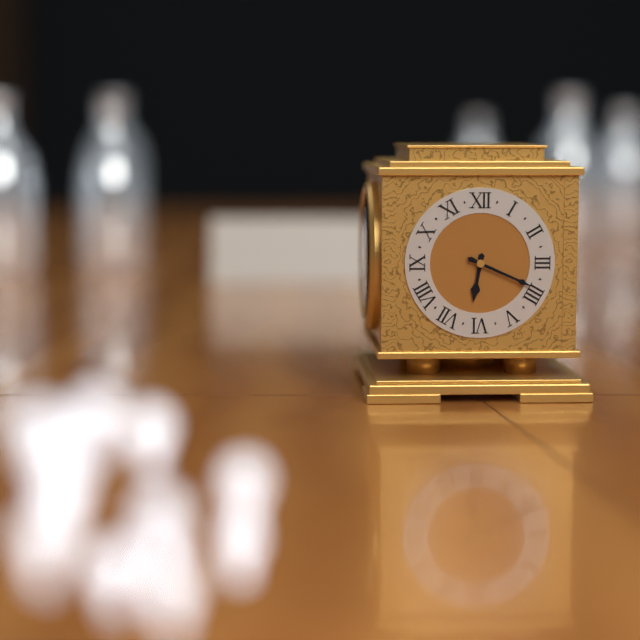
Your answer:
**6:19**
